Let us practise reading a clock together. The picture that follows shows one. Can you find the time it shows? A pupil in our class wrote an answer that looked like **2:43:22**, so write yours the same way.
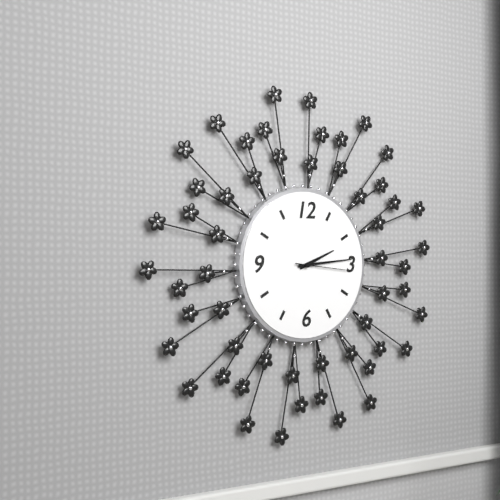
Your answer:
**2:14:16**
